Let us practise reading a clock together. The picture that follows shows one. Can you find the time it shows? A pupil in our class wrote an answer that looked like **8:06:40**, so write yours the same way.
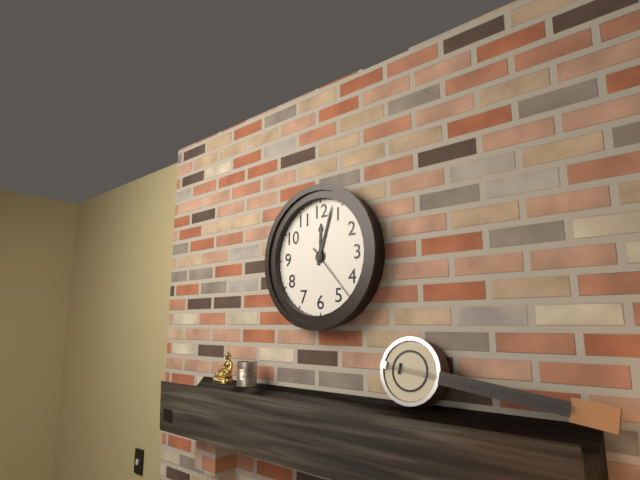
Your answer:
**12:03:23**
